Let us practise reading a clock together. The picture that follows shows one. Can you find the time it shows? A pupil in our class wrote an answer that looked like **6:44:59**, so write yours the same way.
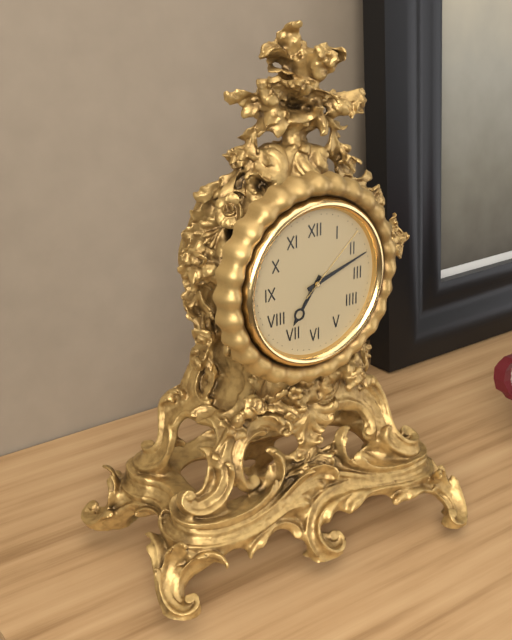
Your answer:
**7:12:08**
